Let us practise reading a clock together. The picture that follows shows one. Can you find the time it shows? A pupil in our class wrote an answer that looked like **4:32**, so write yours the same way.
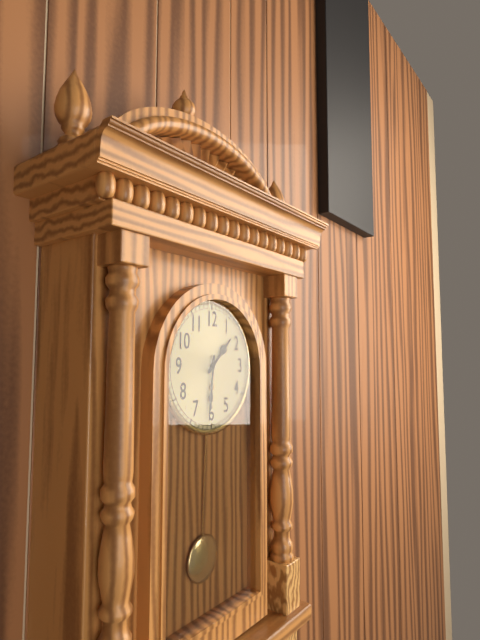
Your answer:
**1:31**
